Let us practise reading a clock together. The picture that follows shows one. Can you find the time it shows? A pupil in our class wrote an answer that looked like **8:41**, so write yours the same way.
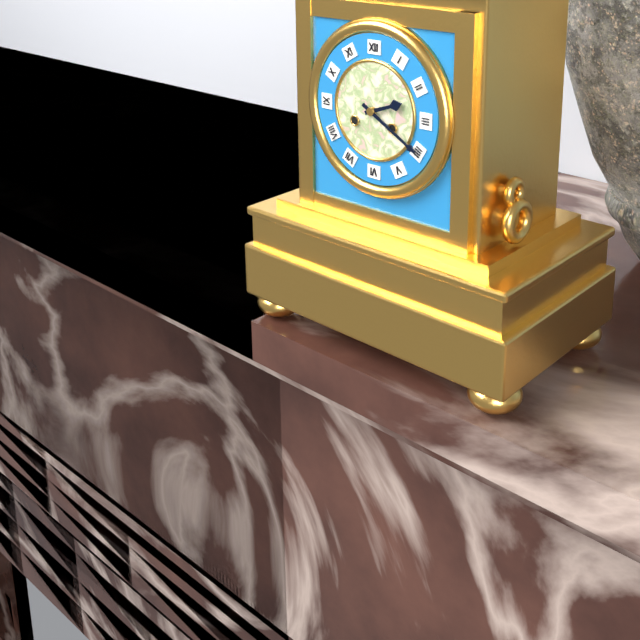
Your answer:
**2:20**
